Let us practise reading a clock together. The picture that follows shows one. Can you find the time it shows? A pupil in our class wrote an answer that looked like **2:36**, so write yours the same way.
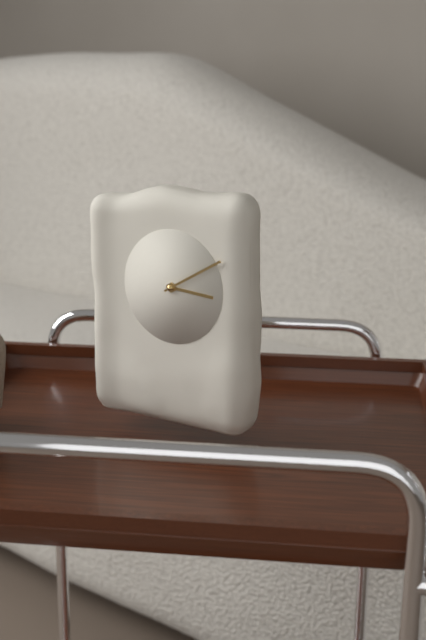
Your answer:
**3:10**
